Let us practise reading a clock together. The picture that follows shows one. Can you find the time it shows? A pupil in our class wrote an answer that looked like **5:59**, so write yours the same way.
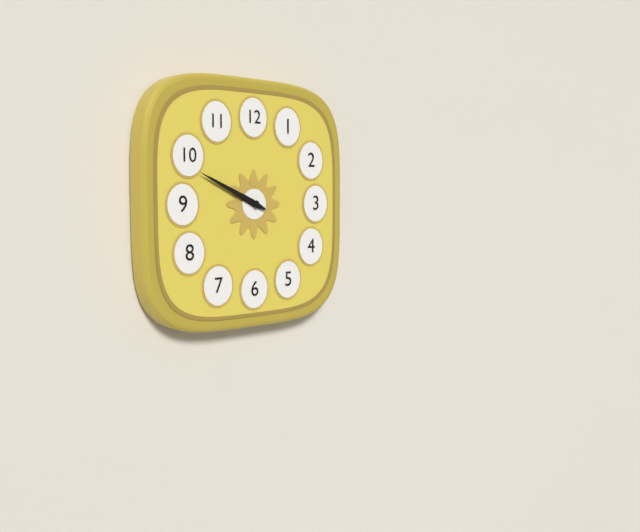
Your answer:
**9:49**
